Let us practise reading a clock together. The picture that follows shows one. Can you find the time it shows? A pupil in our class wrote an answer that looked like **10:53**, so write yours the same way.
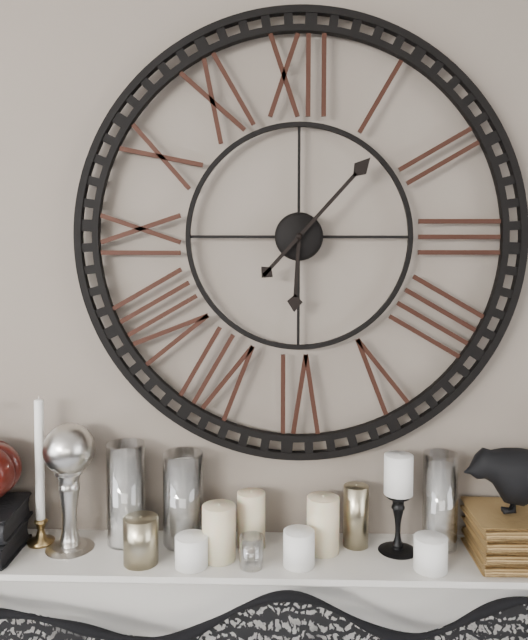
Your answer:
**6:07**
